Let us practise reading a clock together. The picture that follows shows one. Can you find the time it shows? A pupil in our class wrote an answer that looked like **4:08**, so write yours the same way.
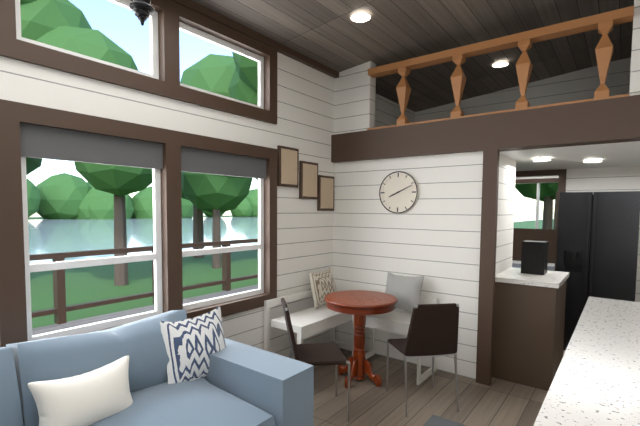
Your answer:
**8:11**
